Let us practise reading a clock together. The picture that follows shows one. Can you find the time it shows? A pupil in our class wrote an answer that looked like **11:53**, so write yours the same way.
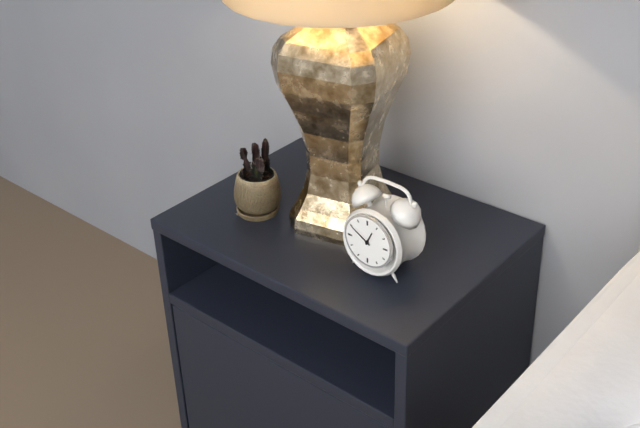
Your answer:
**12:50**
